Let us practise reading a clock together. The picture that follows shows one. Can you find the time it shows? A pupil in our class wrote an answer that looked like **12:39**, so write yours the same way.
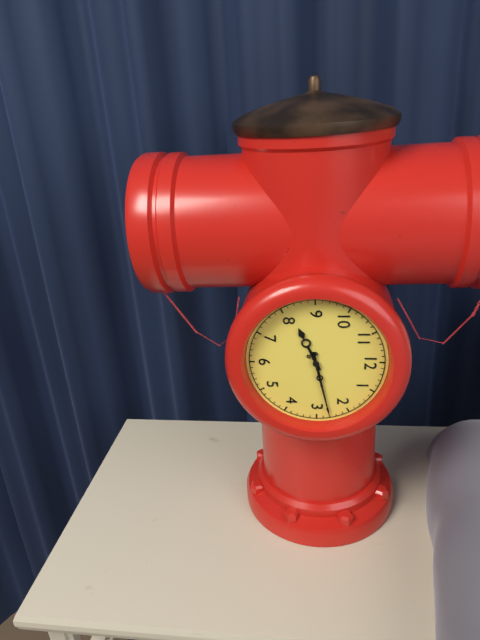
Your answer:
**8:13**
